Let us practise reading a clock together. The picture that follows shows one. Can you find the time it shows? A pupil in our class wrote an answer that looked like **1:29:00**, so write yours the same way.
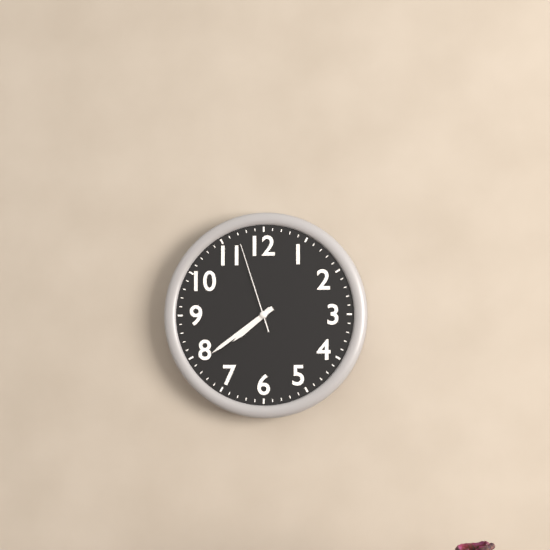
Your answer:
**7:39:57**
